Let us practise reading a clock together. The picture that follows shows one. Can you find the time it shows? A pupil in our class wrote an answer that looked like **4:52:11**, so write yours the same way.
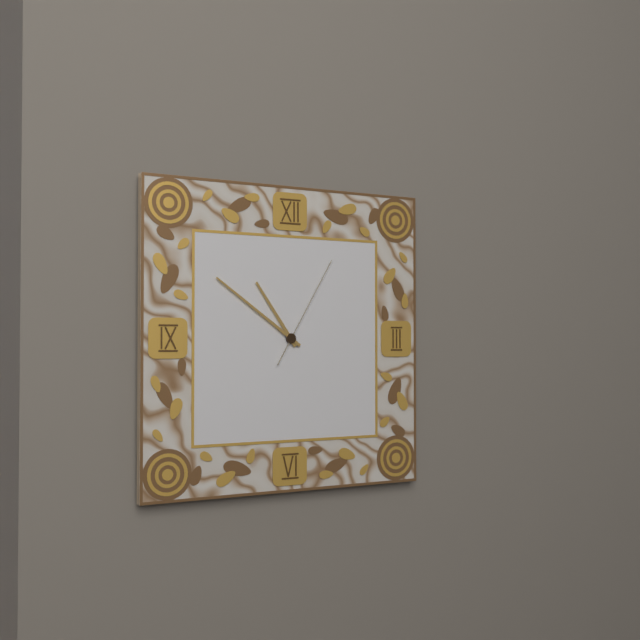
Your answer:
**10:51:05**
